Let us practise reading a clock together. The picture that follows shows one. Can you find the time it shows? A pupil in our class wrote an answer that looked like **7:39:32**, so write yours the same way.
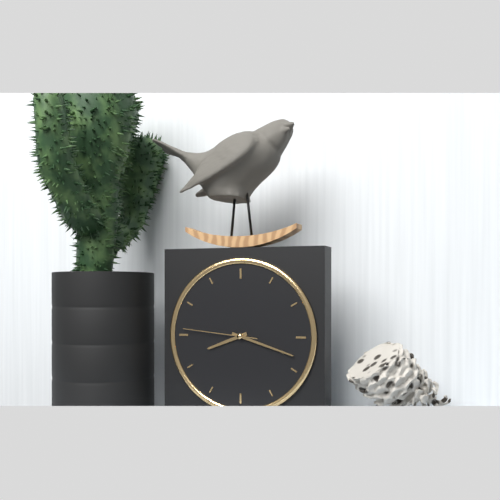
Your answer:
**8:18:46**
